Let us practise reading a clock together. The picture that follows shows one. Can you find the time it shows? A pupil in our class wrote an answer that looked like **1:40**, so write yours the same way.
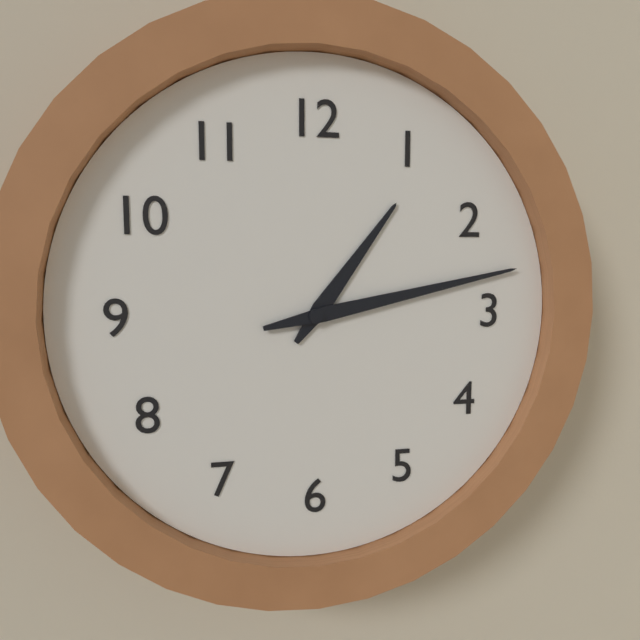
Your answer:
**1:13**
